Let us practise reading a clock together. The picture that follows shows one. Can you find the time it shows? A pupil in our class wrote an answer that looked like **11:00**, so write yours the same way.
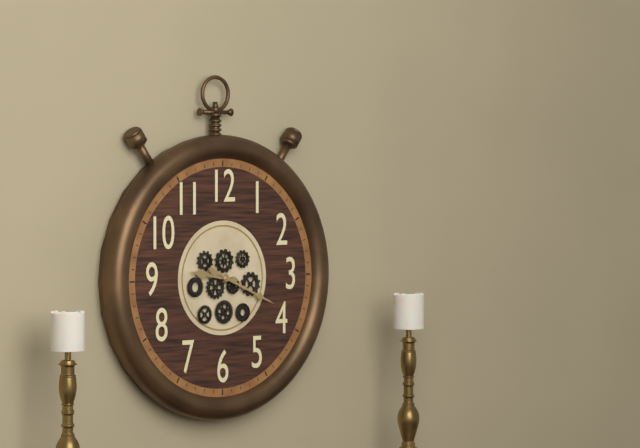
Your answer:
**9:19**
